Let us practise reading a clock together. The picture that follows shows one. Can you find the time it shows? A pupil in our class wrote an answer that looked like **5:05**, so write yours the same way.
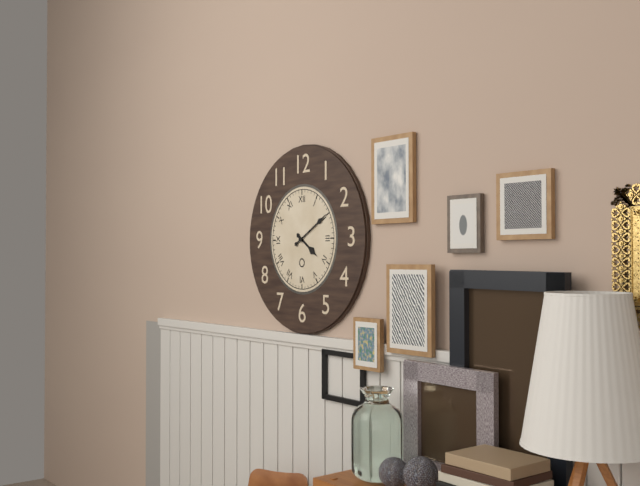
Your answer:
**4:10**
